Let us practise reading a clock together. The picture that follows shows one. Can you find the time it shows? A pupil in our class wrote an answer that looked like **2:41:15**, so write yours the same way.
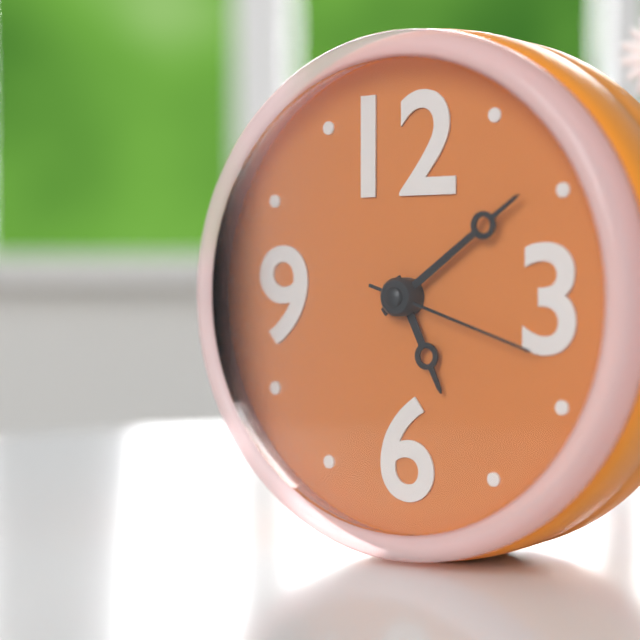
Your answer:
**5:09:18**
